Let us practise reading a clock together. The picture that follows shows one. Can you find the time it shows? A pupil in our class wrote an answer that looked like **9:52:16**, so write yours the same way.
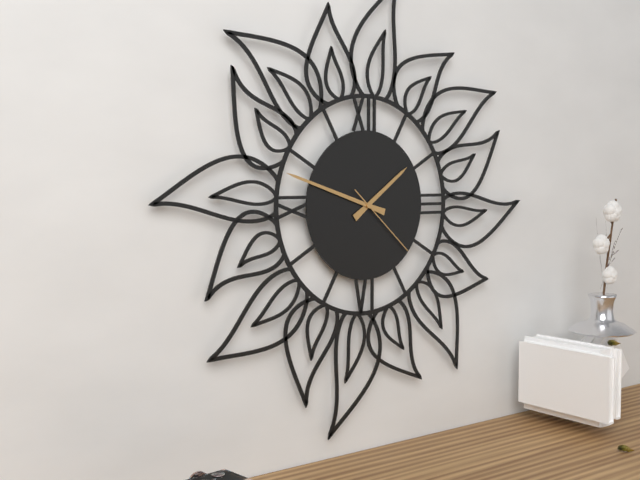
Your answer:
**1:48:22**
